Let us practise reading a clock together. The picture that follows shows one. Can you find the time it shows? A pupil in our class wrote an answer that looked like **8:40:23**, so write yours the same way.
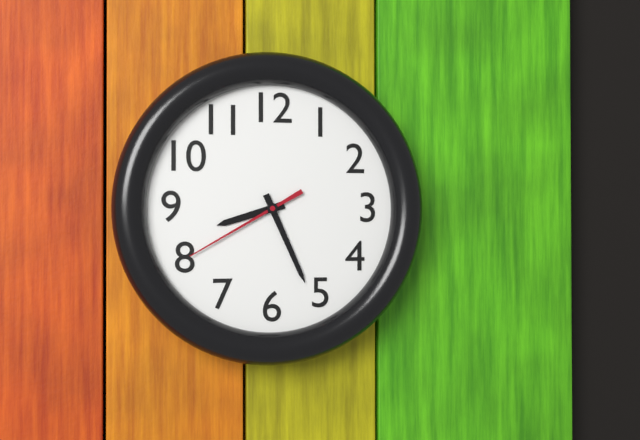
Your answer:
**8:26:40**
